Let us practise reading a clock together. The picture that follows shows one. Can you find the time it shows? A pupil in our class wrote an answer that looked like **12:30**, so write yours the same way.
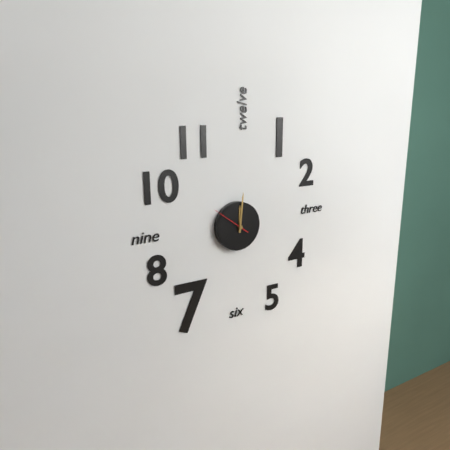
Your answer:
**12:01**
